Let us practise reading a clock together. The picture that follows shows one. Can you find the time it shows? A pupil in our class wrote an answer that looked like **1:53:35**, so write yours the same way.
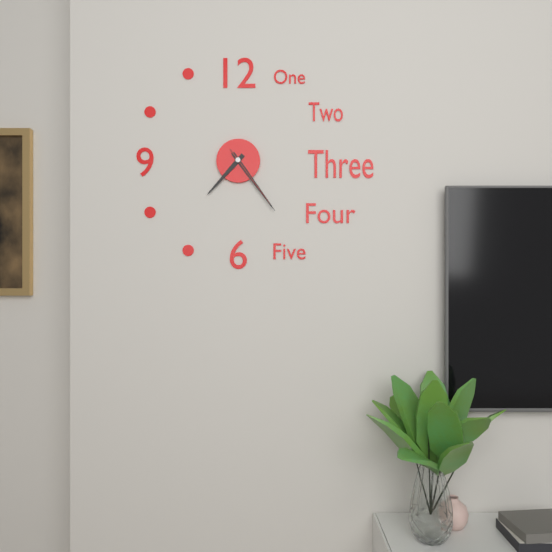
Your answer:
**7:24:24**
